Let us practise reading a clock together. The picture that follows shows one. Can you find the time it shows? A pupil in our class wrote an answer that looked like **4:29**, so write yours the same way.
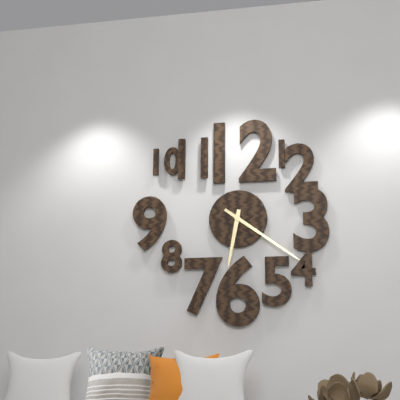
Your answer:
**6:21**
